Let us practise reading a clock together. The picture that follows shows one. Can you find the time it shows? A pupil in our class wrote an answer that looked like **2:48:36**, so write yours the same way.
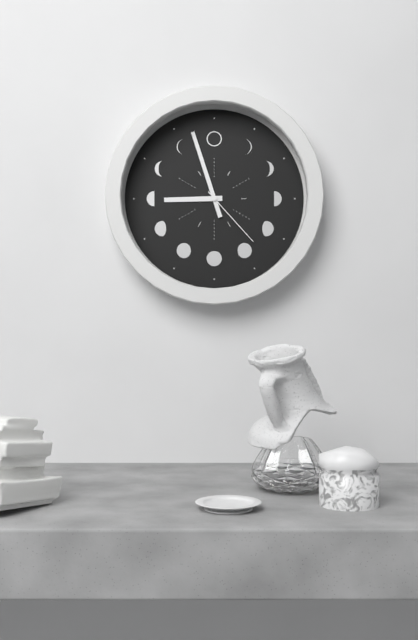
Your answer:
**8:57:23**
